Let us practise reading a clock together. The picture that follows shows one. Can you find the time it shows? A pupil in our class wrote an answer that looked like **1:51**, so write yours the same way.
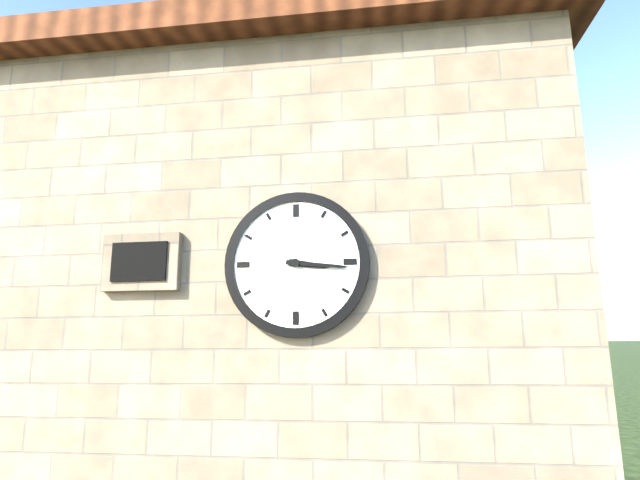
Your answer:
**3:16**
